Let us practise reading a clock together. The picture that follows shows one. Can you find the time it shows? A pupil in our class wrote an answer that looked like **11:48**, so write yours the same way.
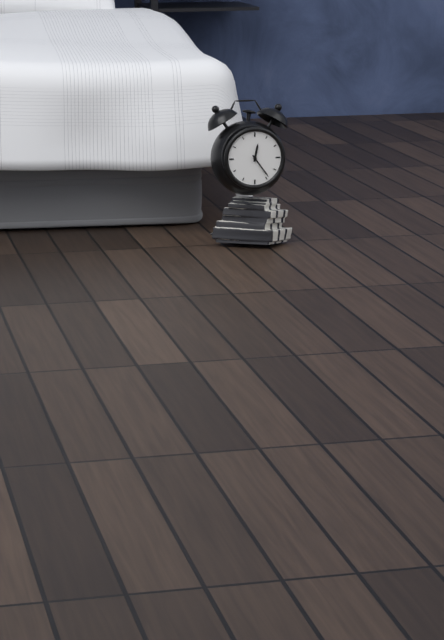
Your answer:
**12:24**
